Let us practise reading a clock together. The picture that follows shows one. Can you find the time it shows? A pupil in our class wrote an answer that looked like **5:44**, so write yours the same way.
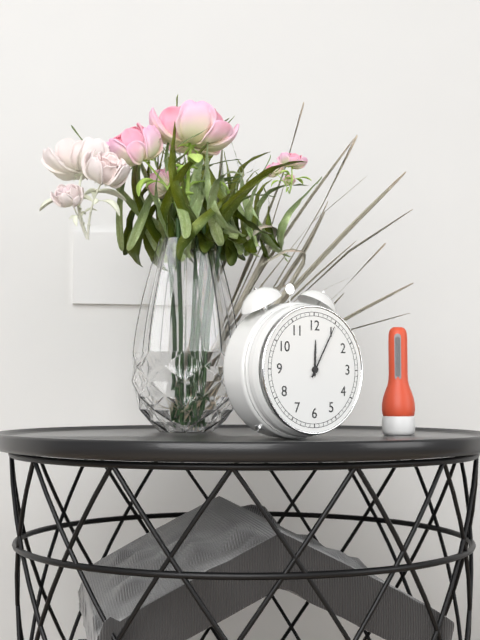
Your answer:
**12:05**
